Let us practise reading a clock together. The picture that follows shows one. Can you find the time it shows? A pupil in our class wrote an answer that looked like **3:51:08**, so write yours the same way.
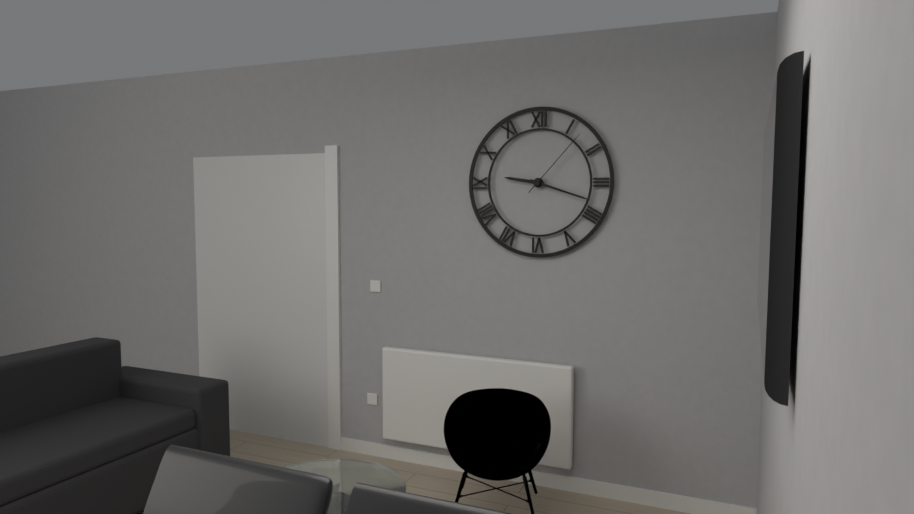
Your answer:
**9:18:07**
